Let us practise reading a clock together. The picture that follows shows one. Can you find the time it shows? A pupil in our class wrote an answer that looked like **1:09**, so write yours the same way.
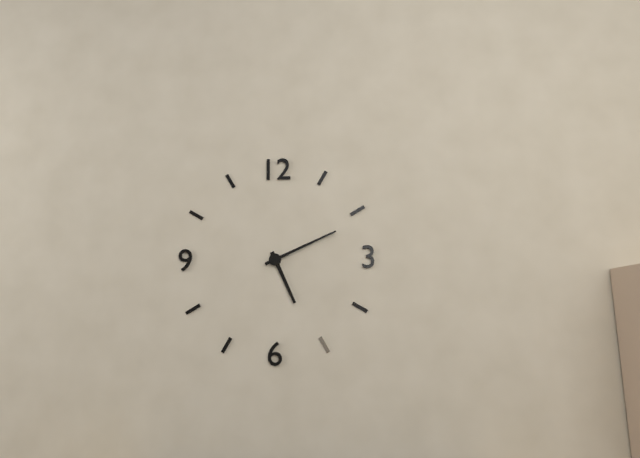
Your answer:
**5:11**
